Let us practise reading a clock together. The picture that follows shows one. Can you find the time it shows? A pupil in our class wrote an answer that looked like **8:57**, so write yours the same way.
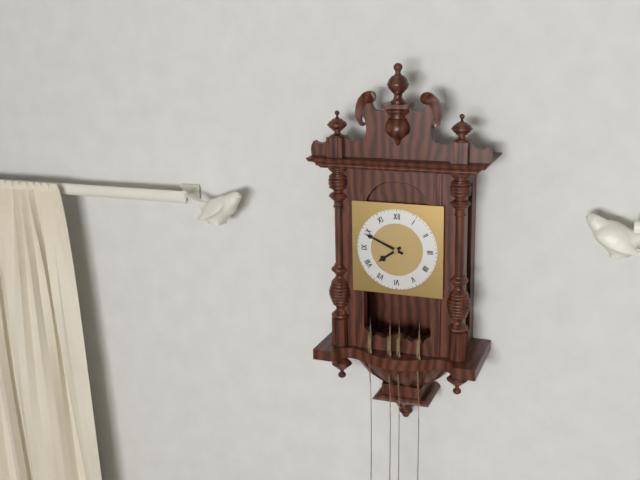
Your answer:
**7:49**
